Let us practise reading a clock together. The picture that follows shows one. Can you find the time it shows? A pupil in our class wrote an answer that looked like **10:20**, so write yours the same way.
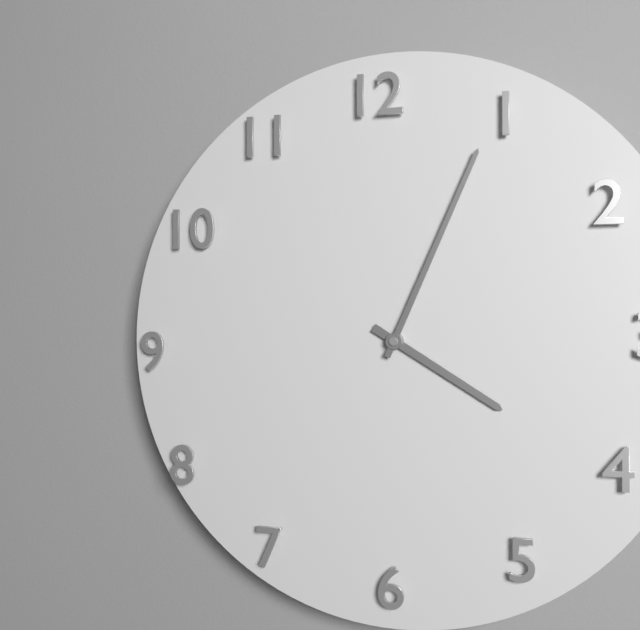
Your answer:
**4:04**
